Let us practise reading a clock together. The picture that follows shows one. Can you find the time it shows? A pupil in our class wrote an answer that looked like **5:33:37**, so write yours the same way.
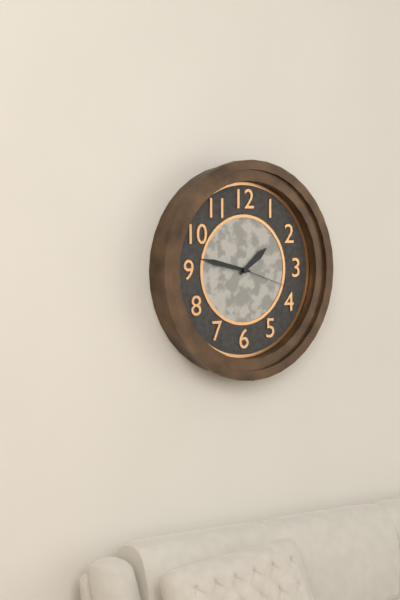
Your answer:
**1:47:18**
